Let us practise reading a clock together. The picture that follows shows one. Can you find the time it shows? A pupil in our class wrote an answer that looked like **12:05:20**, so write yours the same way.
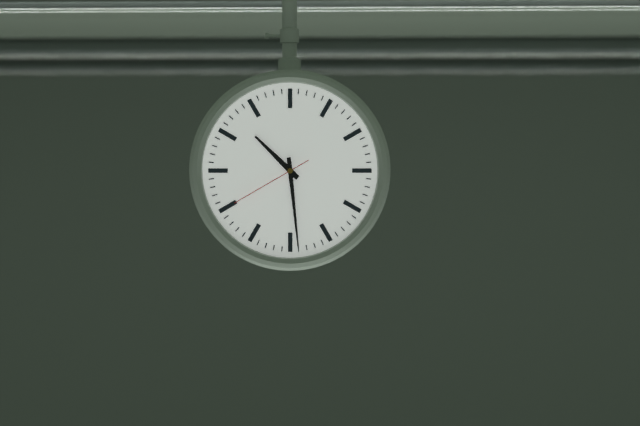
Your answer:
**10:29:40**
